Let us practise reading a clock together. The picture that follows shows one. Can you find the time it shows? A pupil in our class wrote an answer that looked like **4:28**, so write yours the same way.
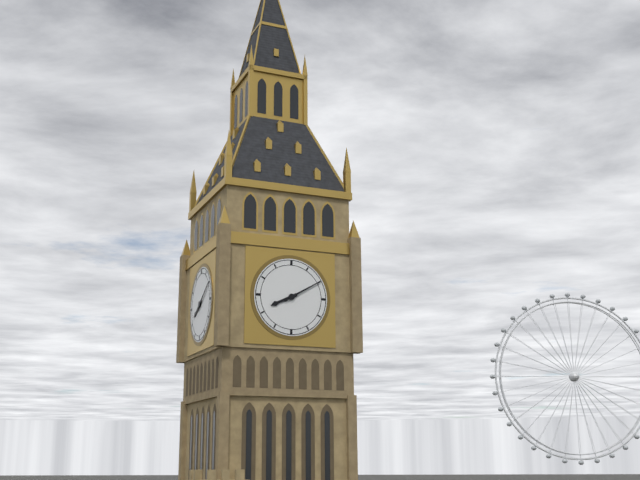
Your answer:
**8:10**
